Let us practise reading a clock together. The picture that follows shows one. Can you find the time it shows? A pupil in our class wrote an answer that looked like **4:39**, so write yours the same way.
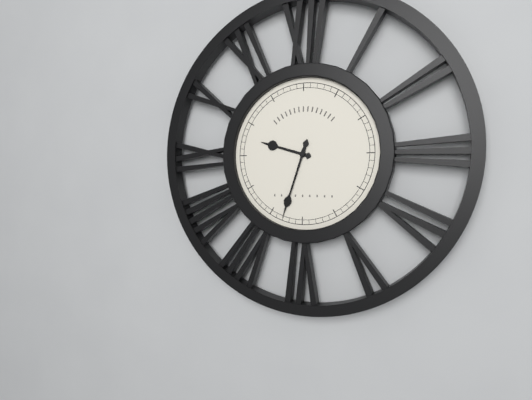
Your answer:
**9:33**
